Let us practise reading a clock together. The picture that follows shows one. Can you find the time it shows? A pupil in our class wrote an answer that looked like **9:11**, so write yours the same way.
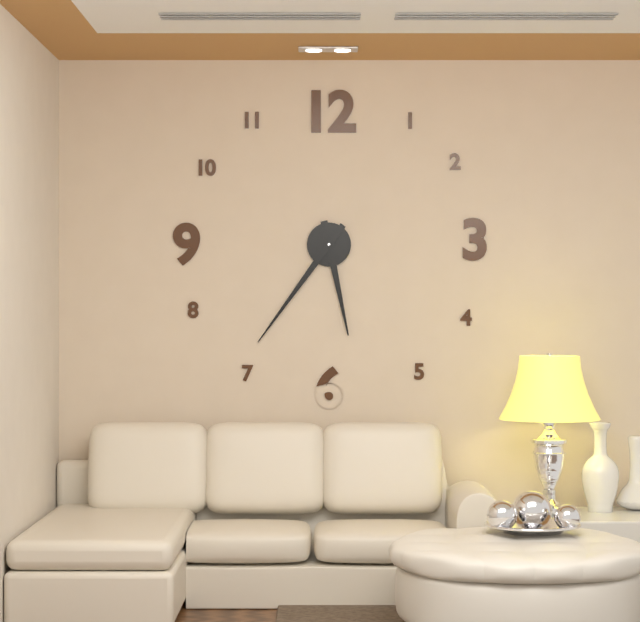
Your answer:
**5:36**
